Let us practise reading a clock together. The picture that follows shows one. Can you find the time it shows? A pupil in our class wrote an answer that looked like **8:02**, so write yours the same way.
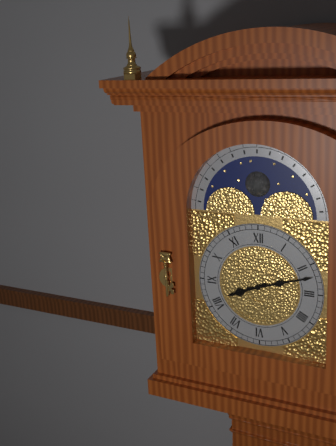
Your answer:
**8:12**
